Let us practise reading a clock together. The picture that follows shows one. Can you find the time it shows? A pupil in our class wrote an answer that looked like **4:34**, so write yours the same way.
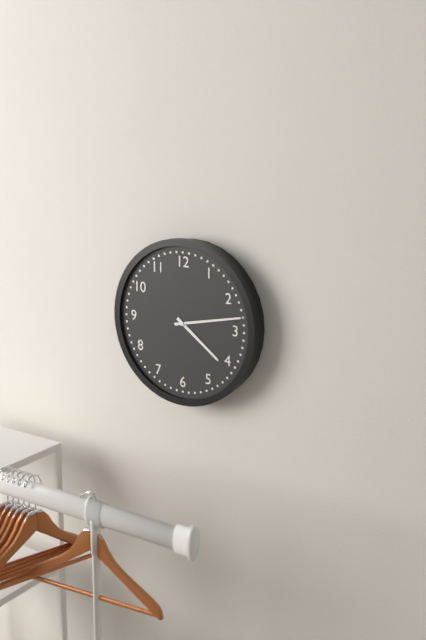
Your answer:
**4:13**
